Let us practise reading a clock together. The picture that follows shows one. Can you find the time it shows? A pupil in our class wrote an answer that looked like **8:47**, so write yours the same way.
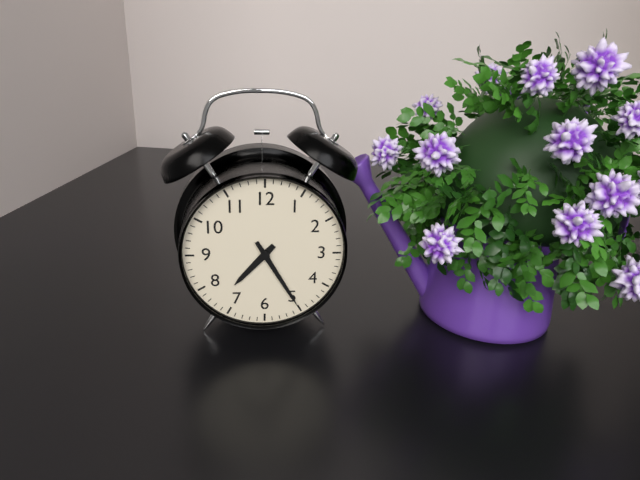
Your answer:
**7:25**
